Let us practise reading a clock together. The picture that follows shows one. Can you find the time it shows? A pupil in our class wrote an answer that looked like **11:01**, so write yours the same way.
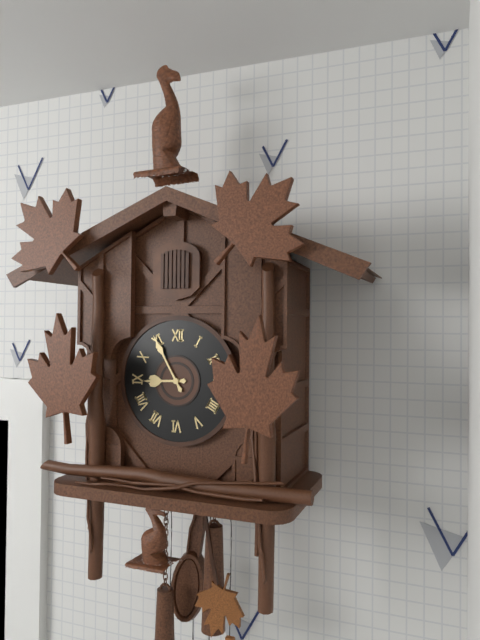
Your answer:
**8:55**
